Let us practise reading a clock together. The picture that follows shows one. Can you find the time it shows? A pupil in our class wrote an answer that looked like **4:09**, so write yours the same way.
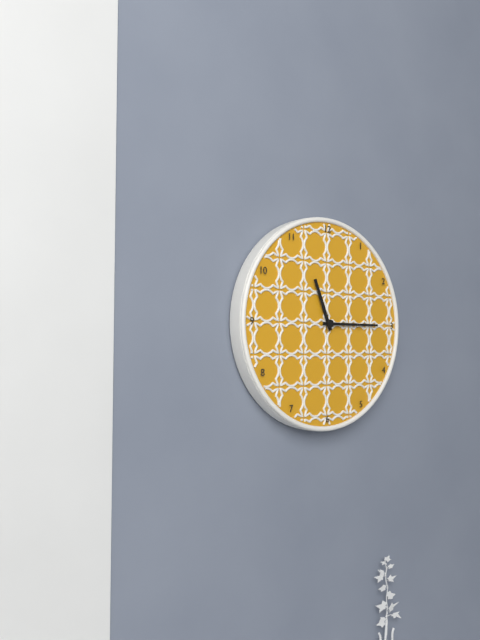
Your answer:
**11:15**
